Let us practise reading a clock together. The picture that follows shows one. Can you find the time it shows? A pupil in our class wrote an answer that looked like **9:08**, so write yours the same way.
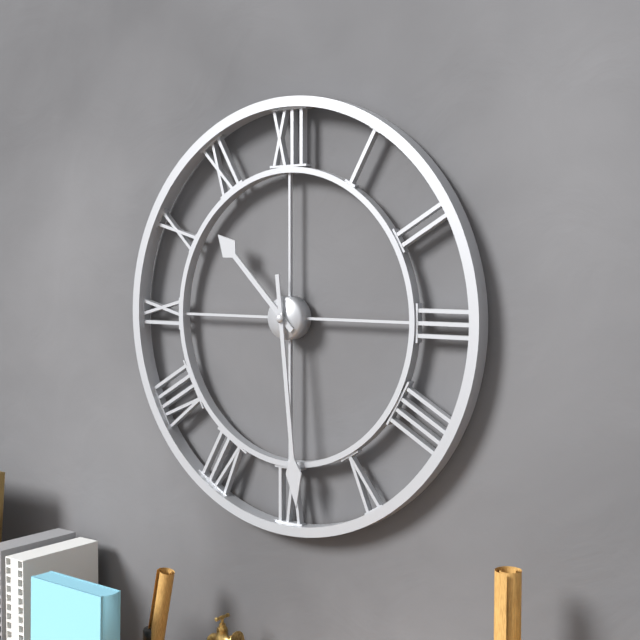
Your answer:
**10:29**
